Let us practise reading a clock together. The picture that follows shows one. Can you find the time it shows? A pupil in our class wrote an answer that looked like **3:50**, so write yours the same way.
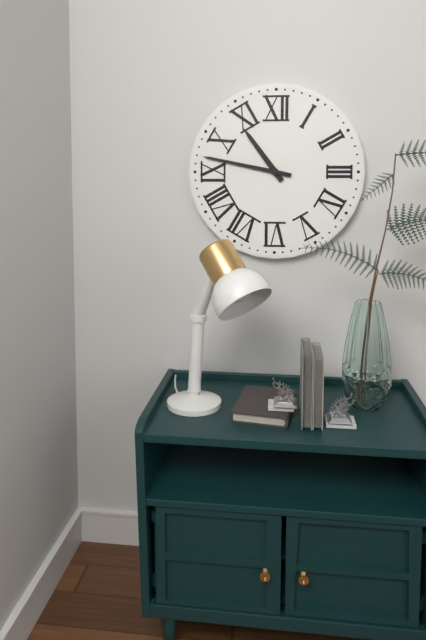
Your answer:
**10:47**
